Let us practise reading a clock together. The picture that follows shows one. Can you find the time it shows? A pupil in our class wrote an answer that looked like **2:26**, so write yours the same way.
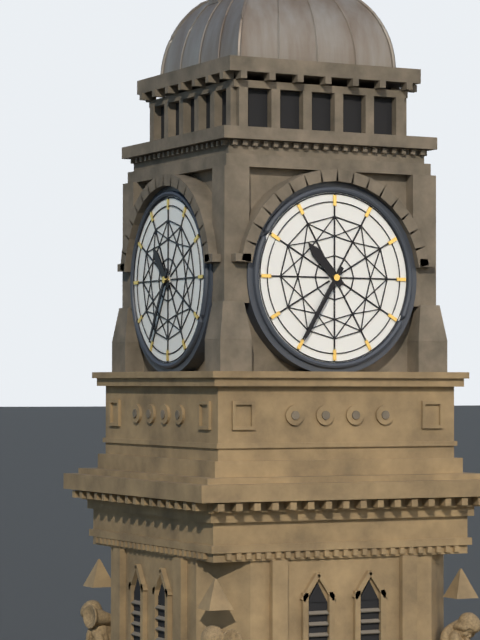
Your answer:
**10:35**
